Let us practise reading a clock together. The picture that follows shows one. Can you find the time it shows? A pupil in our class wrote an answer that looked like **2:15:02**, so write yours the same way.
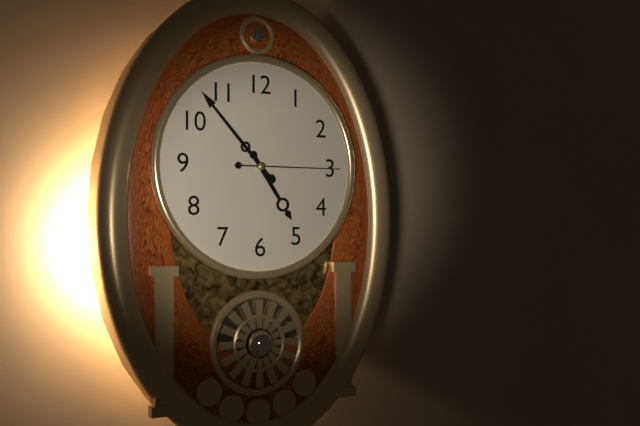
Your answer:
**4:53:15**
